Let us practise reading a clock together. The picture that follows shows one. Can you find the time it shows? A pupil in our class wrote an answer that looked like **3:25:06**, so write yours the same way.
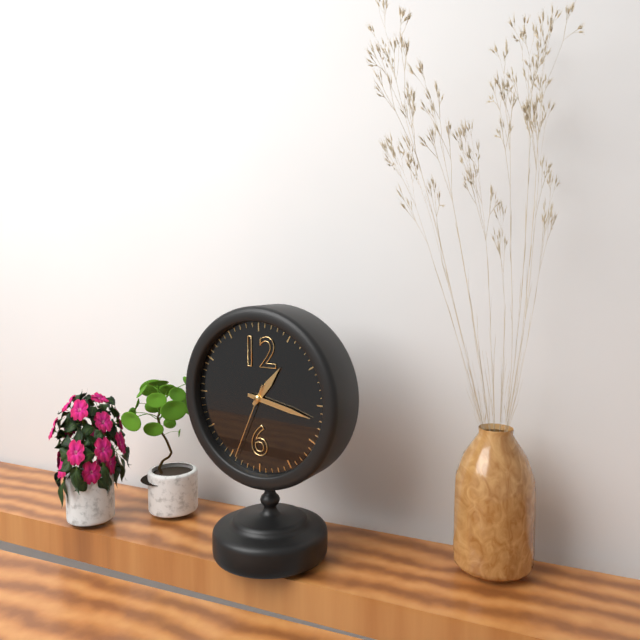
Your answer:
**1:17:34**
